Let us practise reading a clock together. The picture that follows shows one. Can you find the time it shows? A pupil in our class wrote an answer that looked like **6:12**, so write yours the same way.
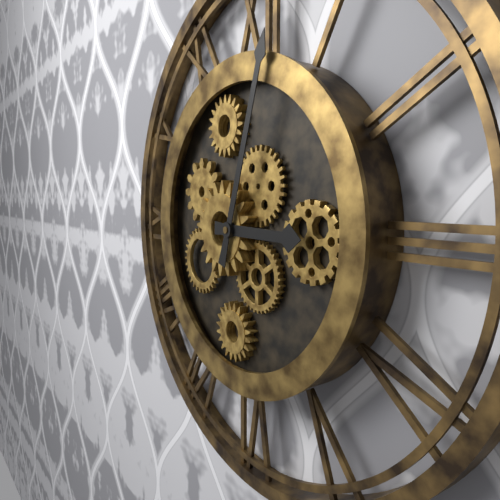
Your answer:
**3:03**
